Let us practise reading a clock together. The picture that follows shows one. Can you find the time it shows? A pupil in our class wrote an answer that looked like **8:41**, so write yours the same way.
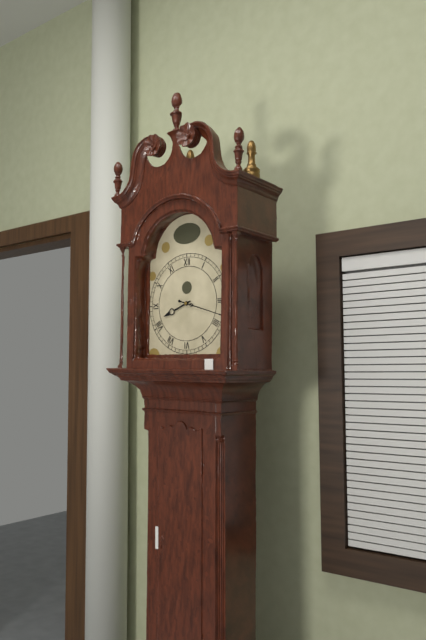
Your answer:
**8:18**
